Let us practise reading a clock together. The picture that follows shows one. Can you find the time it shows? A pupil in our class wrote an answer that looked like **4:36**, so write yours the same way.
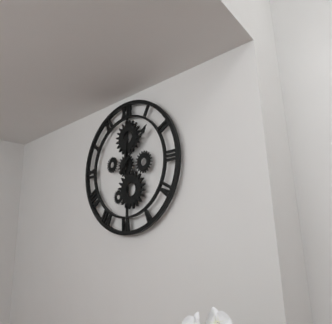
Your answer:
**12:07**
